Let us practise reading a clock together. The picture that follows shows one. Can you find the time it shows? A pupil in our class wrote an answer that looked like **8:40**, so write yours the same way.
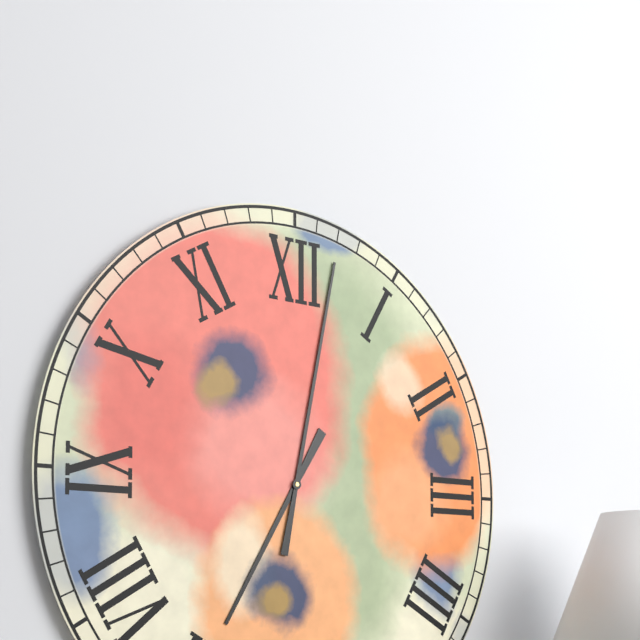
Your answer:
**7:02**
